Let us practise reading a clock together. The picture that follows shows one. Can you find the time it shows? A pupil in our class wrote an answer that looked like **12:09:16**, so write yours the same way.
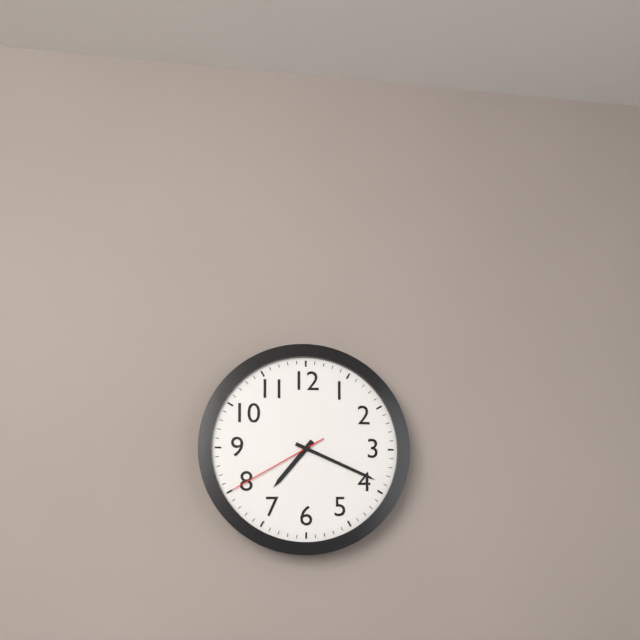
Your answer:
**7:19:40**
